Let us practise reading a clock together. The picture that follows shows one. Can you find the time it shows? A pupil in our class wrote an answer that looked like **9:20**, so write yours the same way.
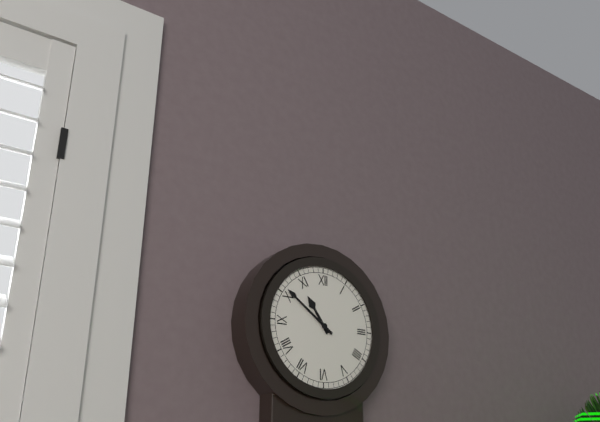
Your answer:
**10:51**
